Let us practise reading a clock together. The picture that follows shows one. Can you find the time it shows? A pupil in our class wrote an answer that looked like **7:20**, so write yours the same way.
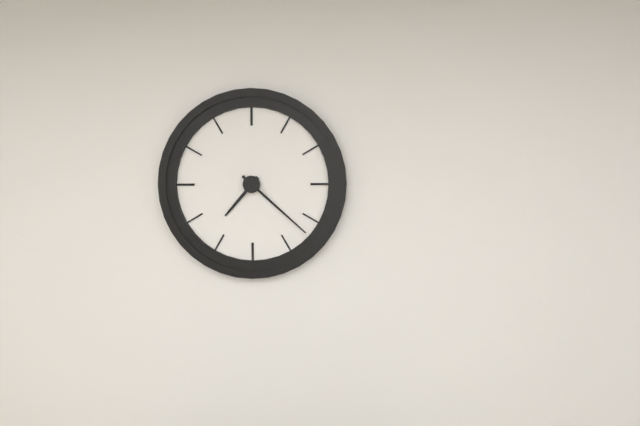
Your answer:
**7:22**
